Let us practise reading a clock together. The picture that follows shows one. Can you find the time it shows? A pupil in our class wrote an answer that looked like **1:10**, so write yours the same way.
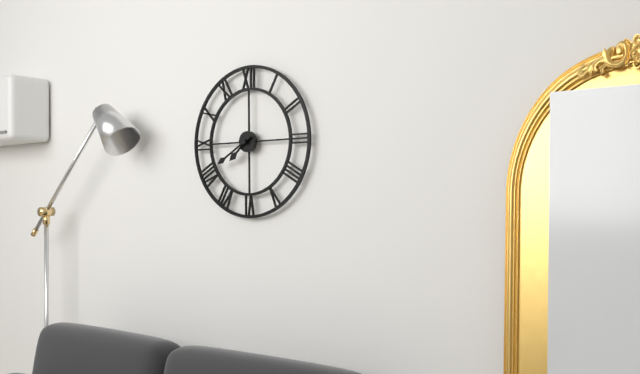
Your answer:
**7:40**
